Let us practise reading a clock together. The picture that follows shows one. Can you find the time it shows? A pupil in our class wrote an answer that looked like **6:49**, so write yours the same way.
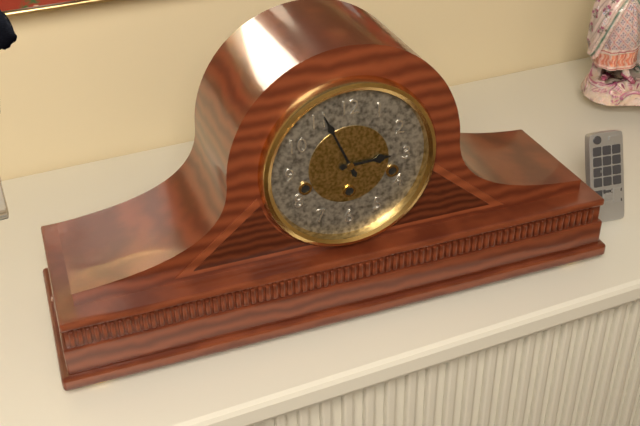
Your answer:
**2:56**
